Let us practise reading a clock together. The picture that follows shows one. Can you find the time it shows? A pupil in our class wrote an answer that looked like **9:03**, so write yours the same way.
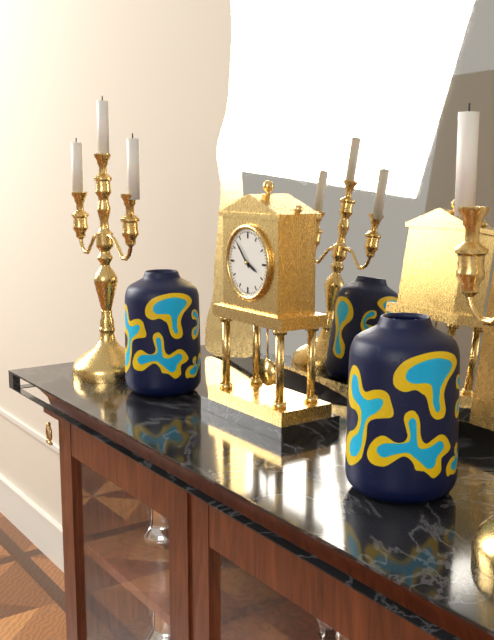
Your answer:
**3:53**
